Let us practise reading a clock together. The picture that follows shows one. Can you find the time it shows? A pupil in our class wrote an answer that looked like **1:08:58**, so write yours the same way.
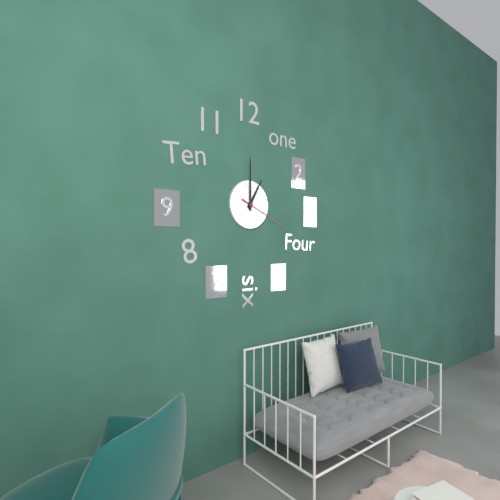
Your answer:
**1:00:19**
